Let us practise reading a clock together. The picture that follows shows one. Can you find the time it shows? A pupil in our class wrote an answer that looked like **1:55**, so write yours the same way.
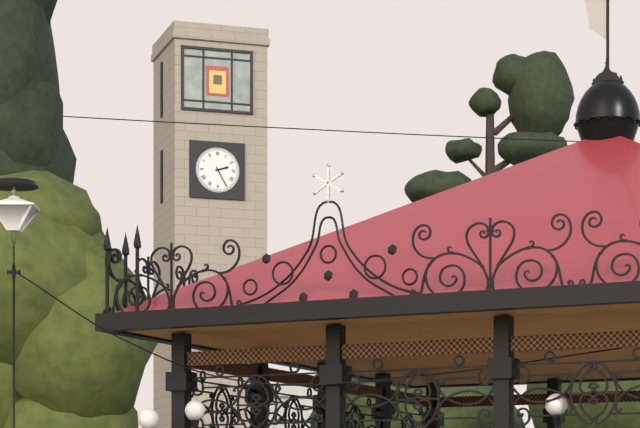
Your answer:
**2:25**
